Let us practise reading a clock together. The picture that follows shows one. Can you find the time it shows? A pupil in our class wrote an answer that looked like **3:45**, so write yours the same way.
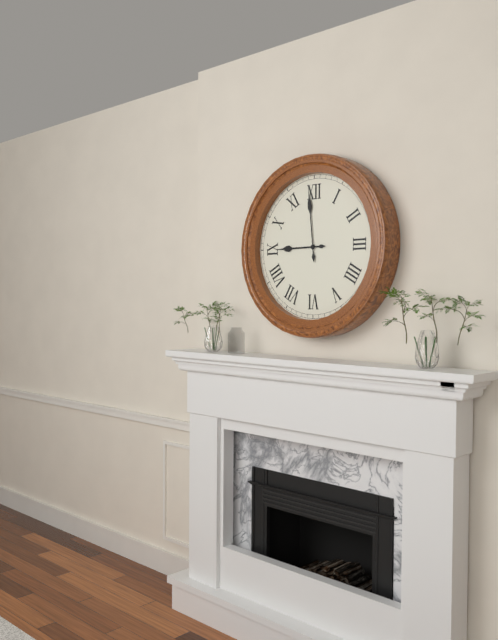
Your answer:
**8:59**
